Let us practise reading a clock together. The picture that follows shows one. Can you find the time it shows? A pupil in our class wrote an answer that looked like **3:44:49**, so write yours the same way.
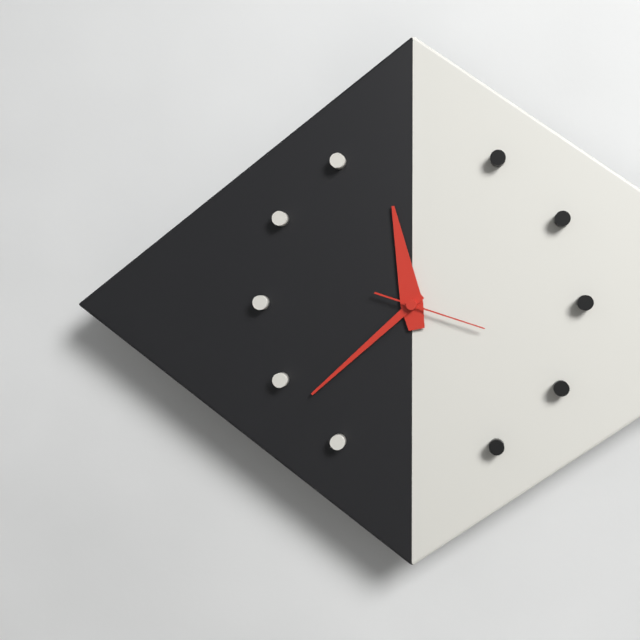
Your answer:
**11:38:18**
